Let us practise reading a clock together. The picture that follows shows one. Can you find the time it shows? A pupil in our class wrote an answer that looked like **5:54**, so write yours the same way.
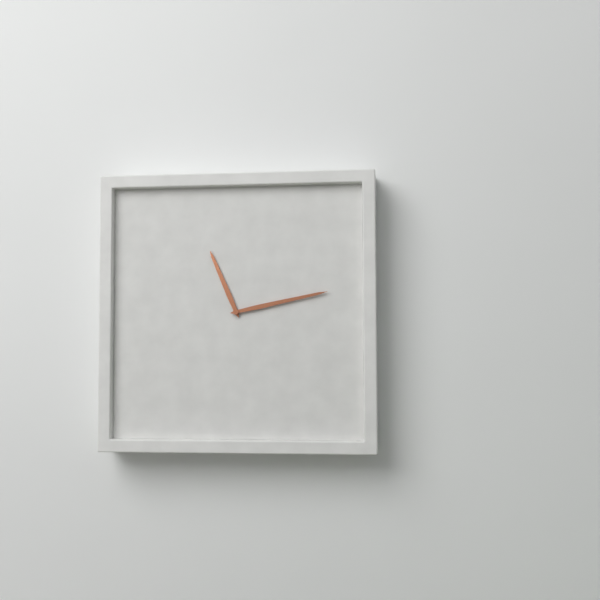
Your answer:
**11:13**
